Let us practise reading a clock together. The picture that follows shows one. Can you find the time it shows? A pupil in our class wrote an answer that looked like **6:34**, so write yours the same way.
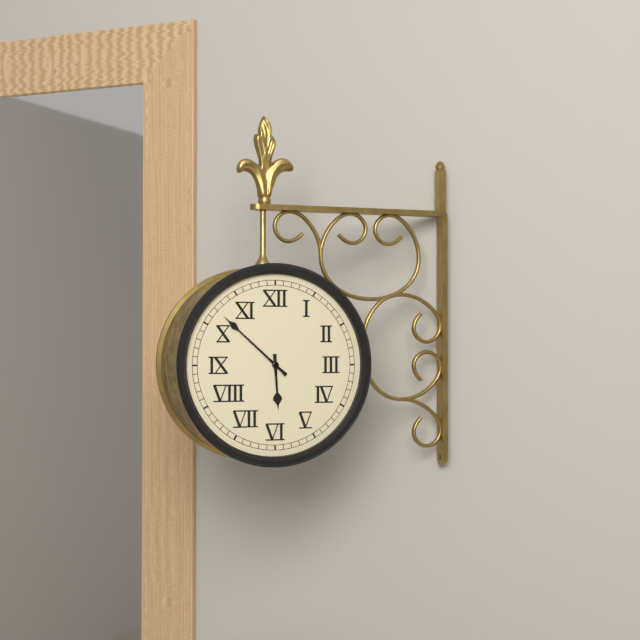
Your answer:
**5:52**
